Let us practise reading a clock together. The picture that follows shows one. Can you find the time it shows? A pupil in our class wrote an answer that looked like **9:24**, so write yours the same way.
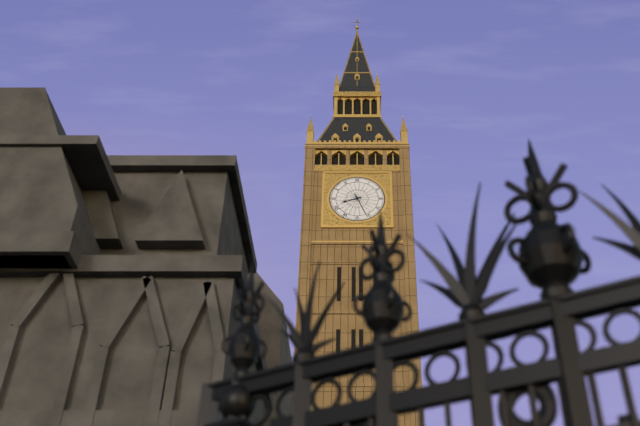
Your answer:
**8:26**
